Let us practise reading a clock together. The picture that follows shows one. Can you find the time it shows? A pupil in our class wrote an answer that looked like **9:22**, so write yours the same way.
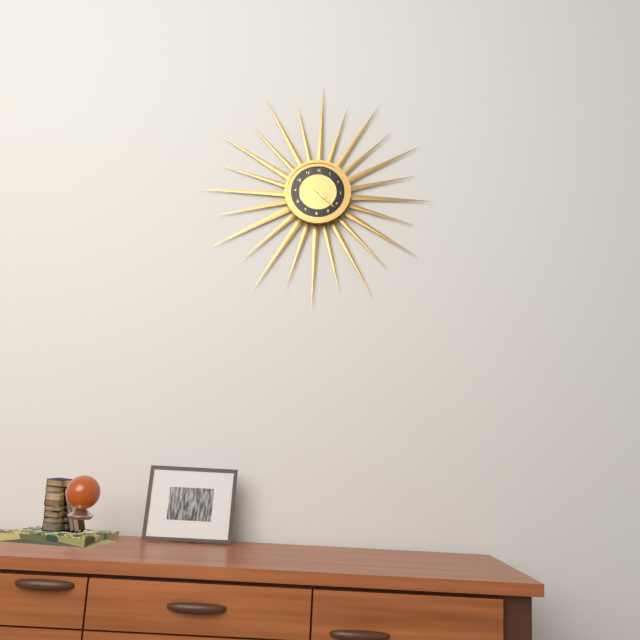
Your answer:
**4:22**
